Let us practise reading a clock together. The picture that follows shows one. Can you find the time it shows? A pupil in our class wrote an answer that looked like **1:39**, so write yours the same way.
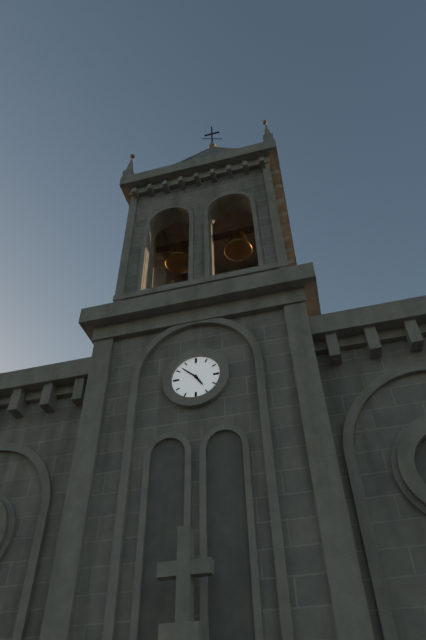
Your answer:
**4:52**
